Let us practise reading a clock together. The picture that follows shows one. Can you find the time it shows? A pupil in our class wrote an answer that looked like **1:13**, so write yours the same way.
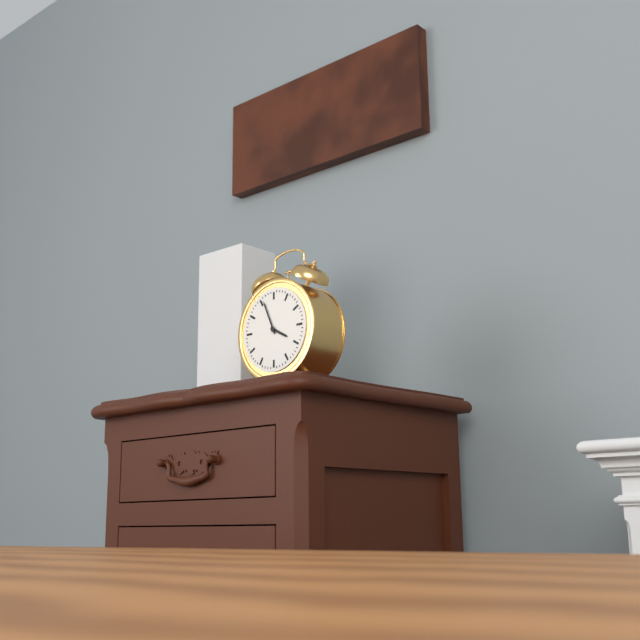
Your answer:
**3:56**
